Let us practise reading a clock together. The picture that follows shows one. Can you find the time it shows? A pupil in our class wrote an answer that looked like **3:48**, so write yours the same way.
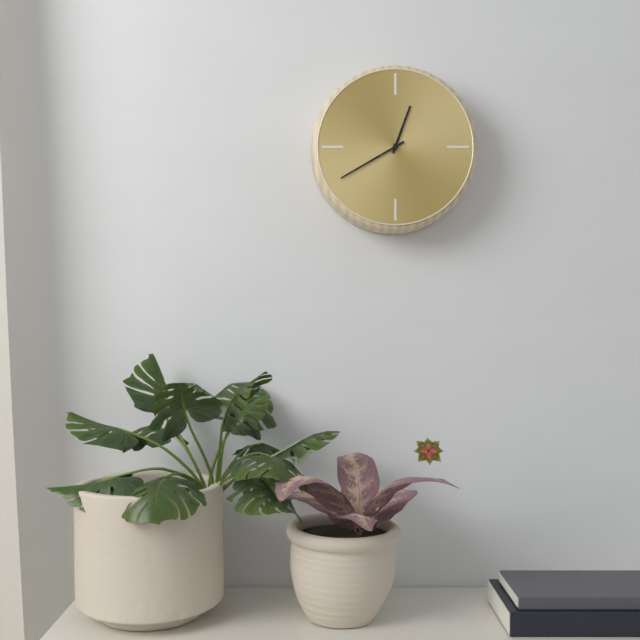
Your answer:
**12:40**
